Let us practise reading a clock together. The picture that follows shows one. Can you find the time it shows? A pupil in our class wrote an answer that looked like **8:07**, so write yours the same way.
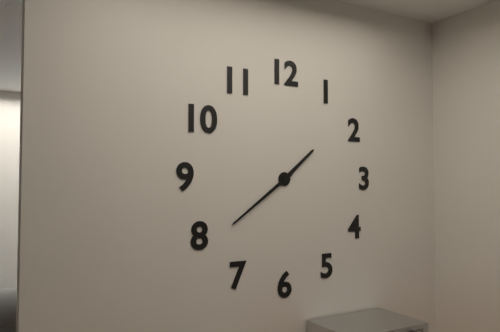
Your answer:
**1:39**
